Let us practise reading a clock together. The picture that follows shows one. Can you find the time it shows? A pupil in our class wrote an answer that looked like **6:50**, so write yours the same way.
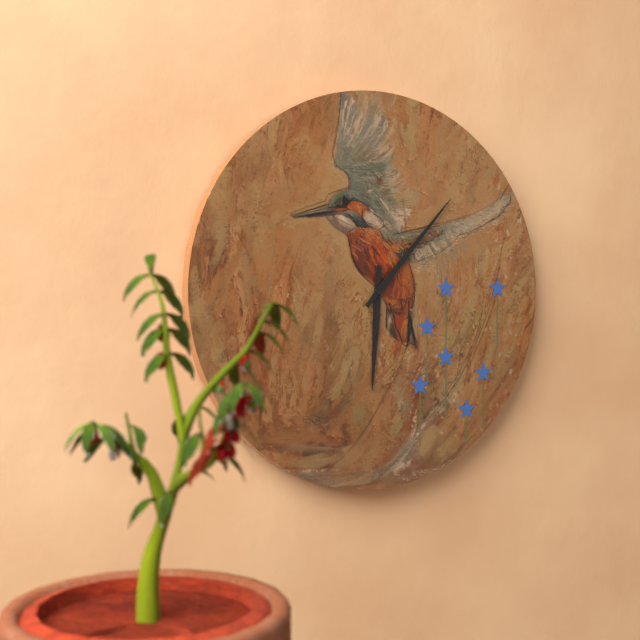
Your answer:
**6:07**
